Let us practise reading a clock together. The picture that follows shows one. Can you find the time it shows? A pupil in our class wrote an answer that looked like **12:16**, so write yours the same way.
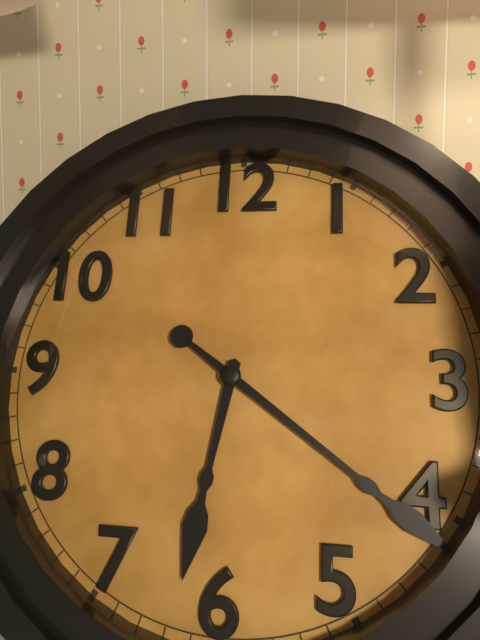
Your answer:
**6:21**
